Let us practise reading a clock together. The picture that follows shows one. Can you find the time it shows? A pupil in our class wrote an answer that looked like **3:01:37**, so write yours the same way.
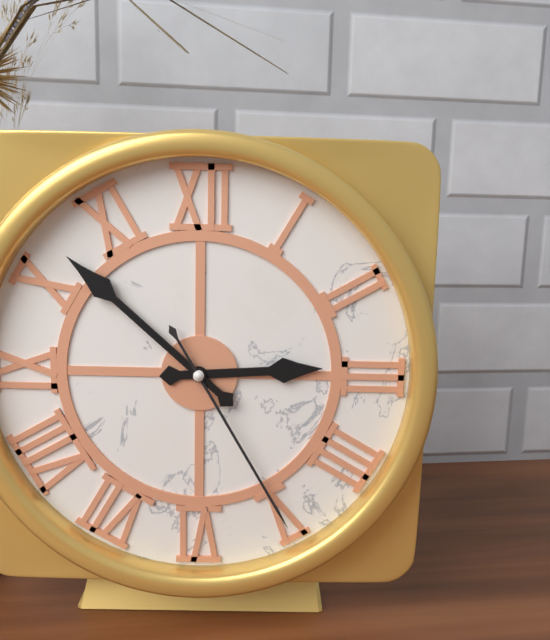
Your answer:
**2:52:25**
